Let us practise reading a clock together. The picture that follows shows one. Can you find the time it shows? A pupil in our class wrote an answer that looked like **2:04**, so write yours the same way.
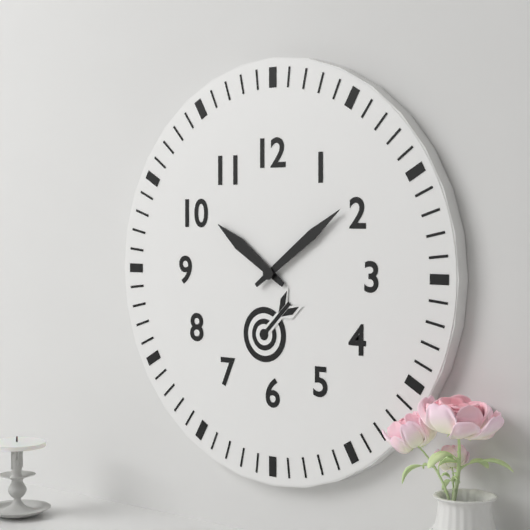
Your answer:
**10:09**
